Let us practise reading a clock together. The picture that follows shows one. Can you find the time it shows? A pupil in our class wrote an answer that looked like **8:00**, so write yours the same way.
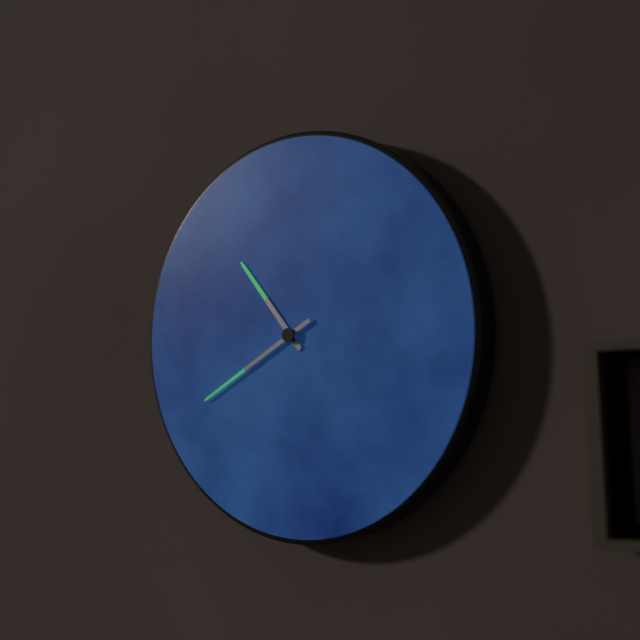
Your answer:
**10:40**
